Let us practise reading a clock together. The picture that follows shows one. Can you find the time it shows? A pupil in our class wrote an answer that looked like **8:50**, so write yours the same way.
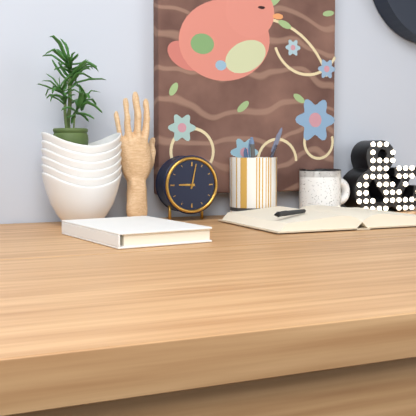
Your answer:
**9:02**
